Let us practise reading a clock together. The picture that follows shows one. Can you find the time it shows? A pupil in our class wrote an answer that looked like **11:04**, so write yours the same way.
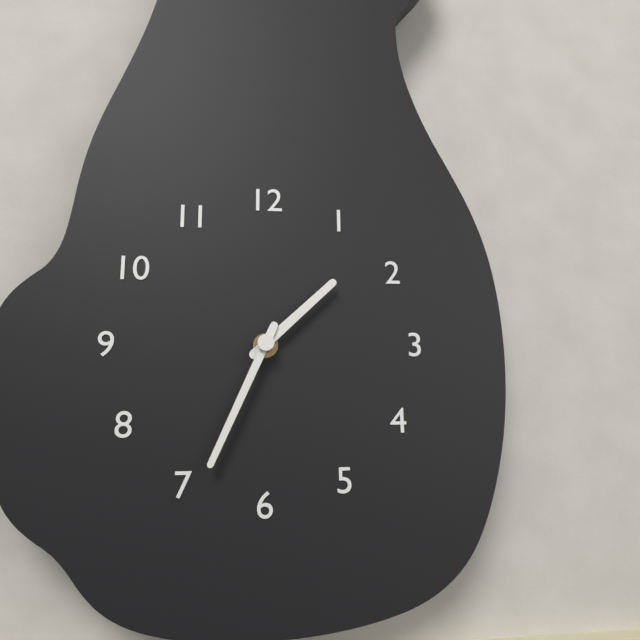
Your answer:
**1:34**
